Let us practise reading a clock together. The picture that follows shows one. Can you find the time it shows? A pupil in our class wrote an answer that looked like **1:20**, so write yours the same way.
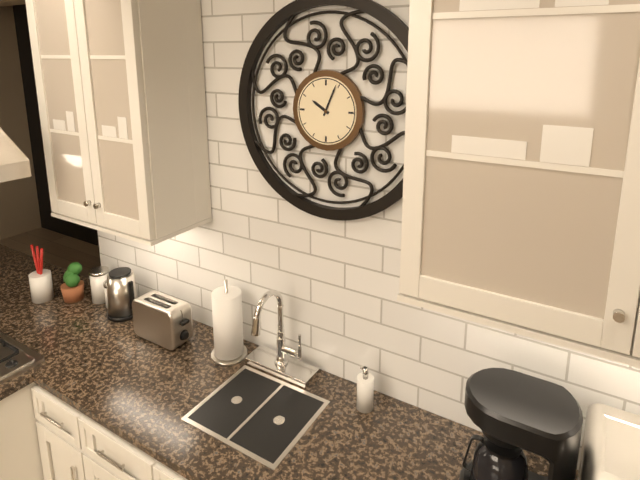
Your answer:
**10:04**
